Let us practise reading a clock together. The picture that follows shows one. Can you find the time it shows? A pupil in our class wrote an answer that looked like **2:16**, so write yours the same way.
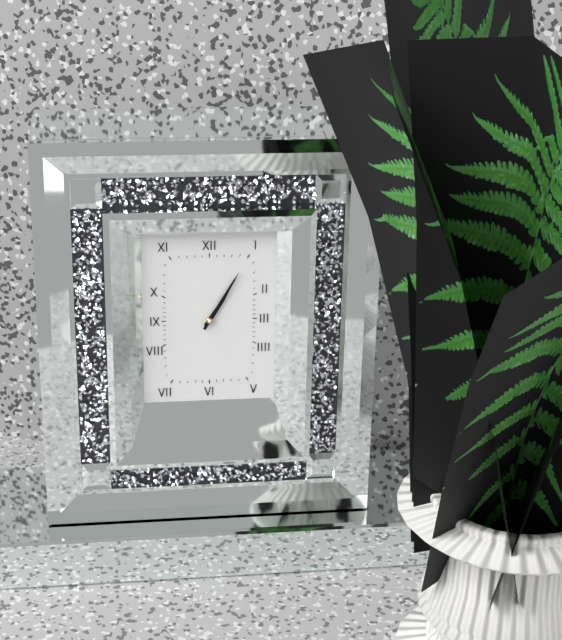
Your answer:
**1:05**
